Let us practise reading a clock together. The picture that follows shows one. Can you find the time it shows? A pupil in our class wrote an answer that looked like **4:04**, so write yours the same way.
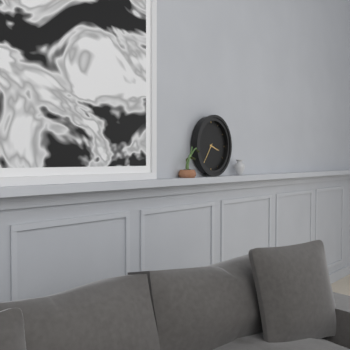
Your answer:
**3:36**
